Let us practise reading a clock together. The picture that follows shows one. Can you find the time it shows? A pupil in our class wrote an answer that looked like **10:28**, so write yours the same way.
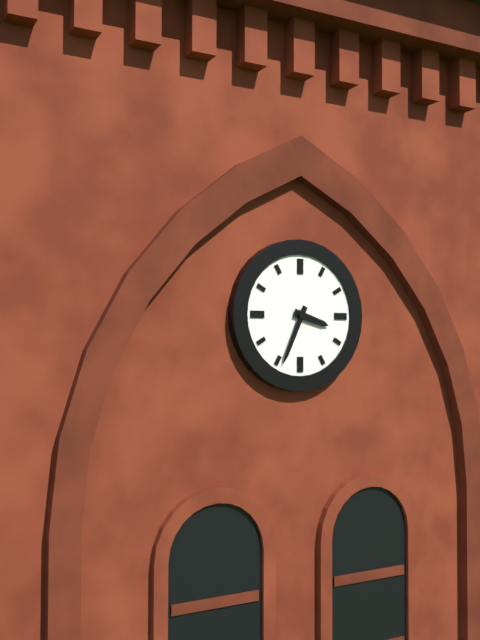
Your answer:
**3:34**
